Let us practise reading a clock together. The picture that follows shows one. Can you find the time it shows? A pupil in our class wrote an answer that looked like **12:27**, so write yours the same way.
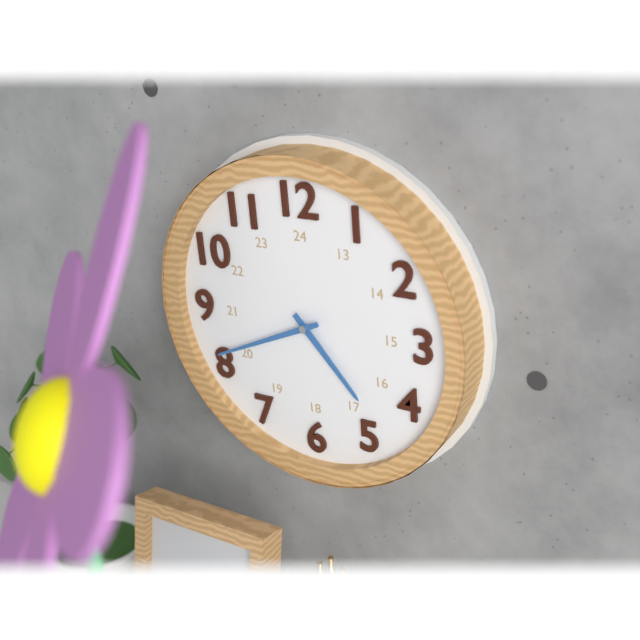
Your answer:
**4:41**
